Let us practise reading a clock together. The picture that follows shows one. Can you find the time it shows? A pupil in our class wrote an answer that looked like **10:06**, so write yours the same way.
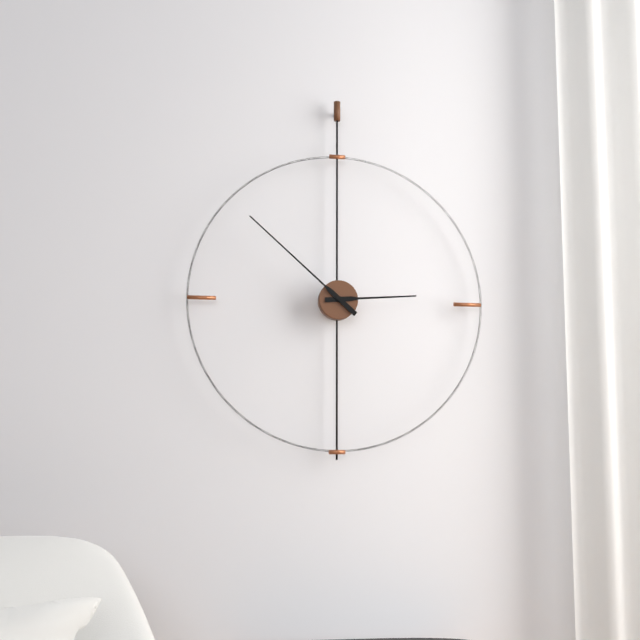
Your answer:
**2:52**
